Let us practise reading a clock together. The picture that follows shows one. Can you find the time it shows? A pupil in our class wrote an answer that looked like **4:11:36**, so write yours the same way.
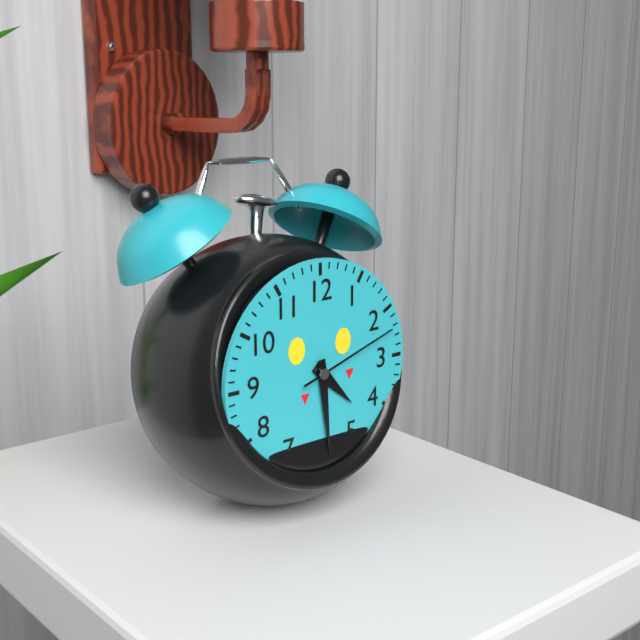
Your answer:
**4:29:12**
